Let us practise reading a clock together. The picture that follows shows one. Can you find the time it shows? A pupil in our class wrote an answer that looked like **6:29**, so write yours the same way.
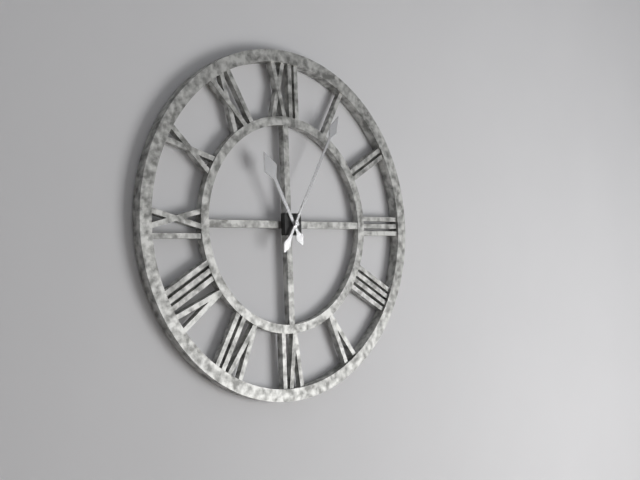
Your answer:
**11:05**
